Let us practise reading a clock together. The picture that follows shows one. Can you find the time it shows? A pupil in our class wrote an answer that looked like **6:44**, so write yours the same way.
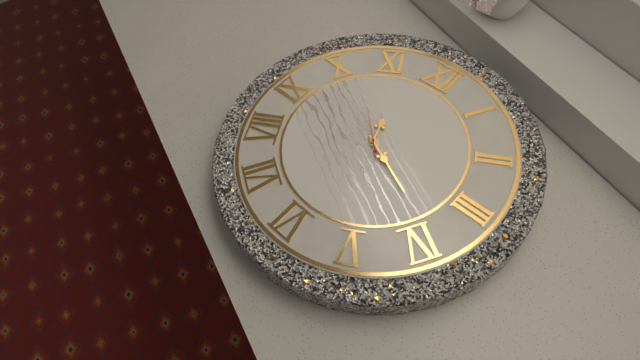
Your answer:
**11:19**
